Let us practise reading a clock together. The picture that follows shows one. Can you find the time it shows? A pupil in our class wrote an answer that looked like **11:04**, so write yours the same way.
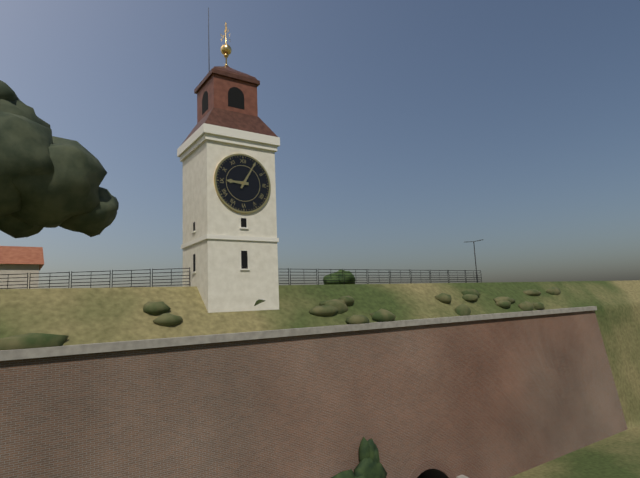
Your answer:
**9:05**
